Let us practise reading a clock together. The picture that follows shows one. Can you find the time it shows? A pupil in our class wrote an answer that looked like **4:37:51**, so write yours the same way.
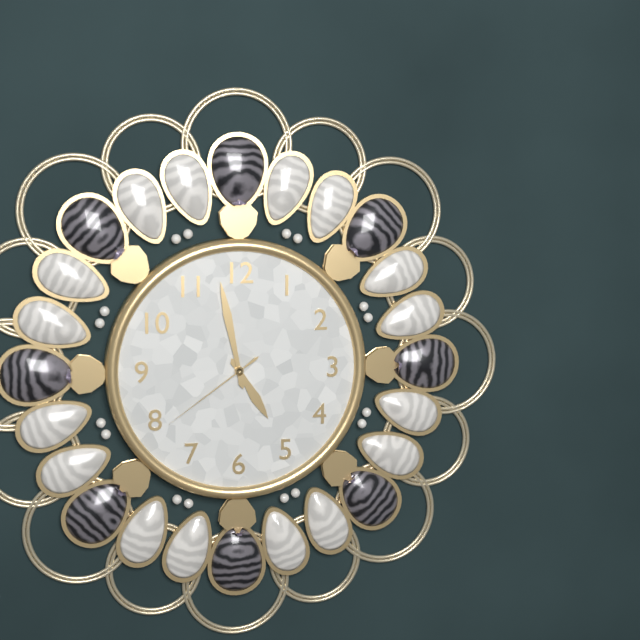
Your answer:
**4:58:39**
